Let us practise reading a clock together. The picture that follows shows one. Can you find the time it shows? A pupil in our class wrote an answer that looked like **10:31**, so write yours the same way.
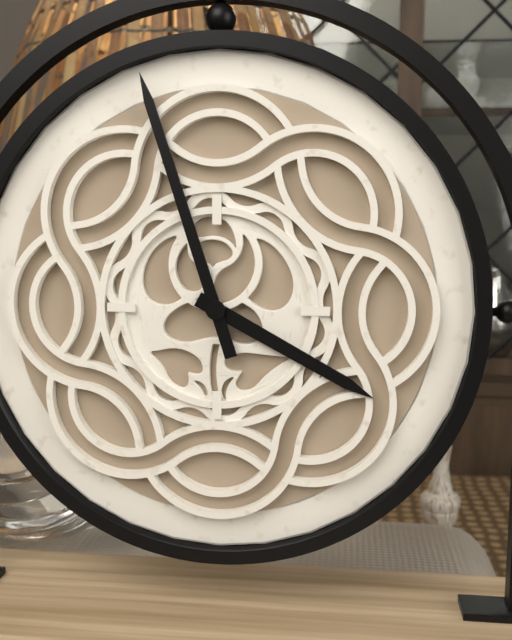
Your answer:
**3:57**
